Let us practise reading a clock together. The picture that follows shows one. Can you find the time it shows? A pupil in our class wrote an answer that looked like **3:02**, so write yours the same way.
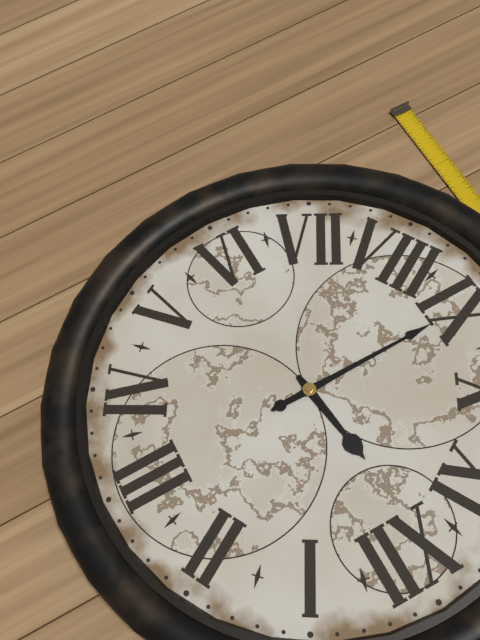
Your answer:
**11:45**
